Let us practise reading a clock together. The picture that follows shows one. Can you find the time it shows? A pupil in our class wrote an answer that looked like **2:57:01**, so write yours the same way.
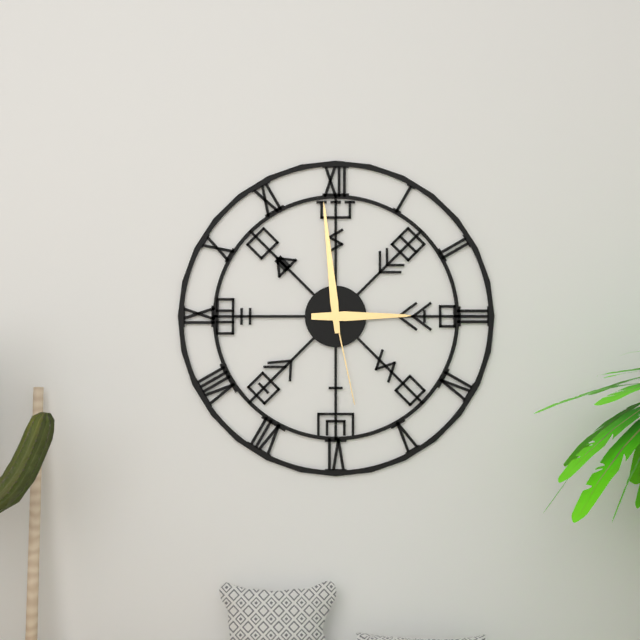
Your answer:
**2:59:28**
